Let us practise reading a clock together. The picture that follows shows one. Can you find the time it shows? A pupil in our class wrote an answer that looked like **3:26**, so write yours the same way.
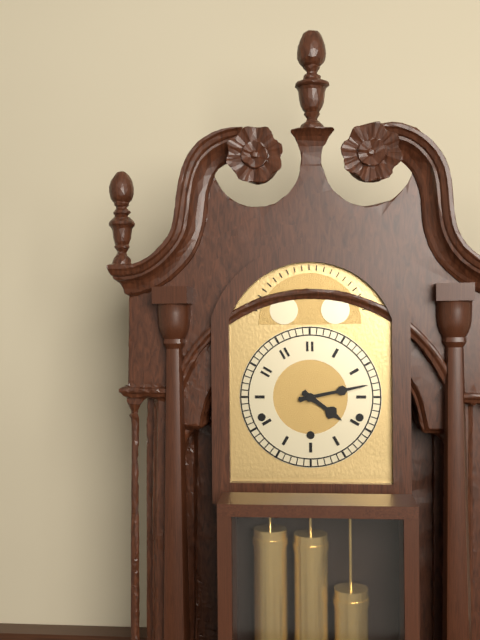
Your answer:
**4:13**
